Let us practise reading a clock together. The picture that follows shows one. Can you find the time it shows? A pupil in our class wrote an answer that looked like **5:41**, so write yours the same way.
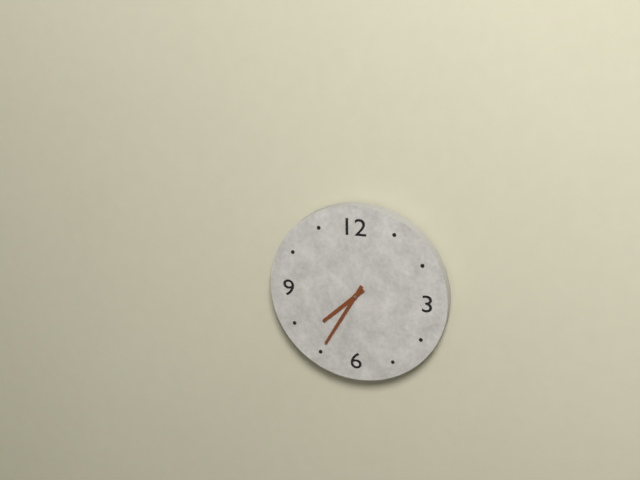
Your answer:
**7:35**
